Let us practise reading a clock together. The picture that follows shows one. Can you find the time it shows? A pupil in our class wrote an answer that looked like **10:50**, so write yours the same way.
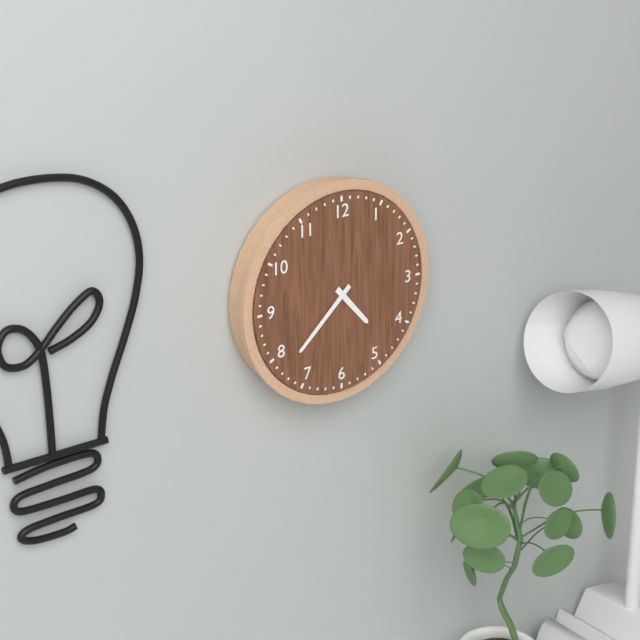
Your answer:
**4:38**
